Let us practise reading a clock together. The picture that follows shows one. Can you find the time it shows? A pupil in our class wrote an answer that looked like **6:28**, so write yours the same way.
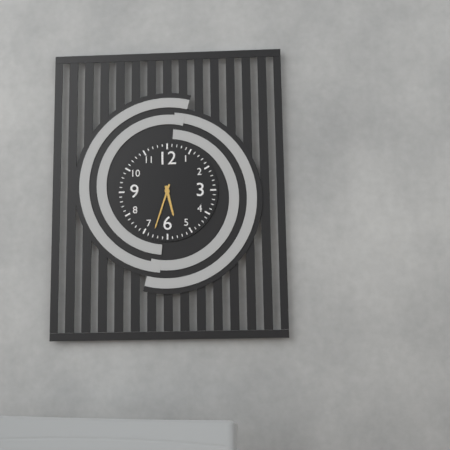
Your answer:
**5:33**
